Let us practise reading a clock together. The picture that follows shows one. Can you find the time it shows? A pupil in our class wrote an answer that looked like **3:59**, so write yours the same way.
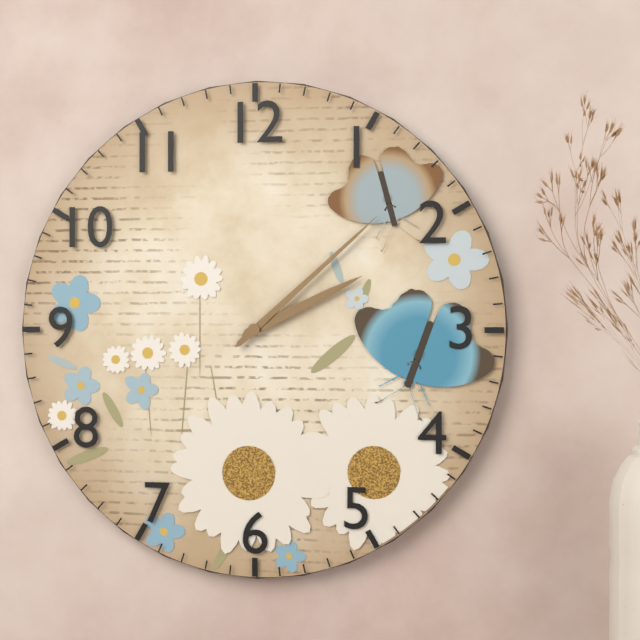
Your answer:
**2:08**
